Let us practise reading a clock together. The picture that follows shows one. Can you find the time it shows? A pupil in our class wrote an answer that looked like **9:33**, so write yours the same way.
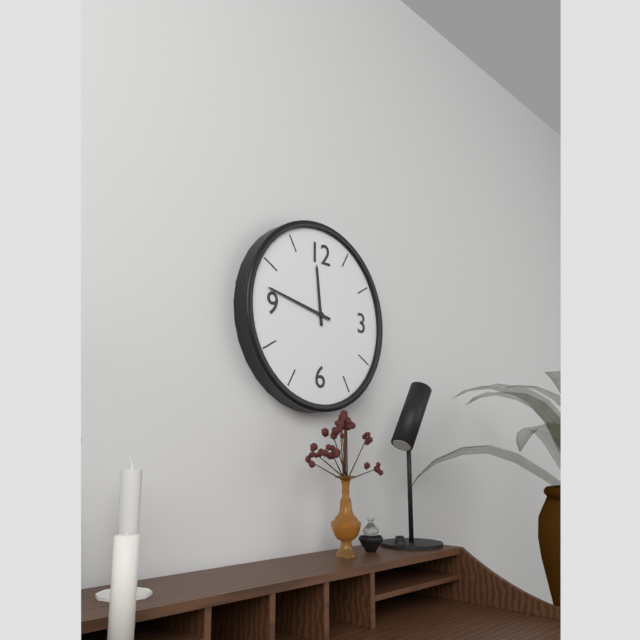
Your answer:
**11:47**
